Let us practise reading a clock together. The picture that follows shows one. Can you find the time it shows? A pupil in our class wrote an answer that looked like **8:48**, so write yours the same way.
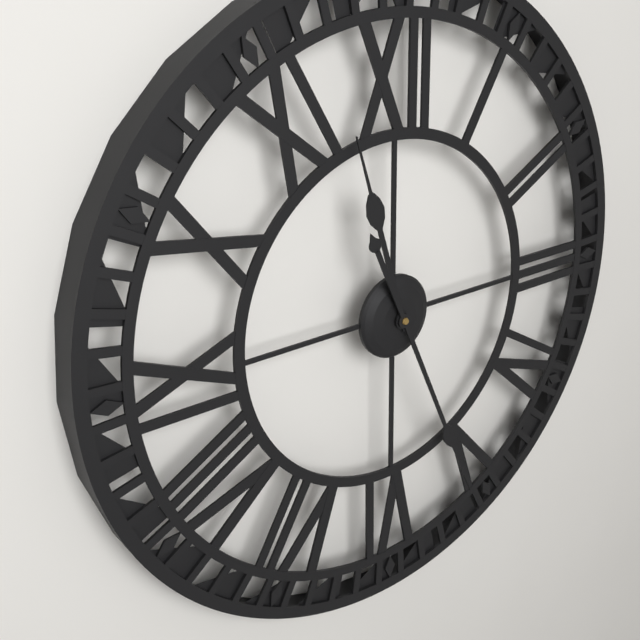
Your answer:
**11:26**
